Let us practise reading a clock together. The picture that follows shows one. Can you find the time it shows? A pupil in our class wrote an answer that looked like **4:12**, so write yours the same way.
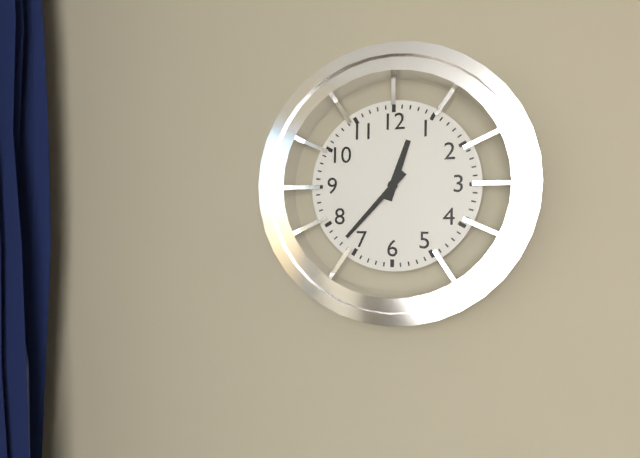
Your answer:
**12:37**
